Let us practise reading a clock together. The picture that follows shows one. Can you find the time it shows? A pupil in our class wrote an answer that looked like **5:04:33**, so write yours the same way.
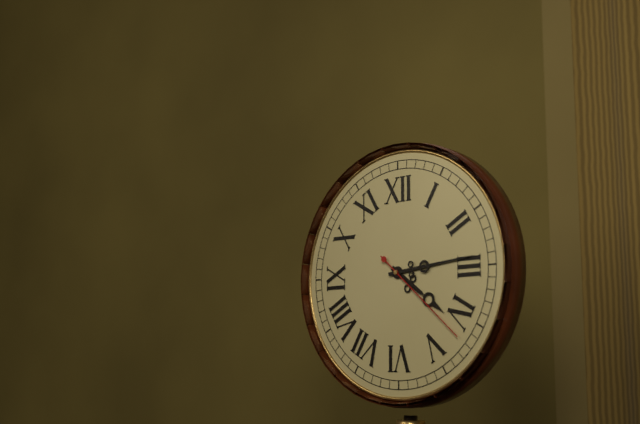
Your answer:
**4:14:22**
